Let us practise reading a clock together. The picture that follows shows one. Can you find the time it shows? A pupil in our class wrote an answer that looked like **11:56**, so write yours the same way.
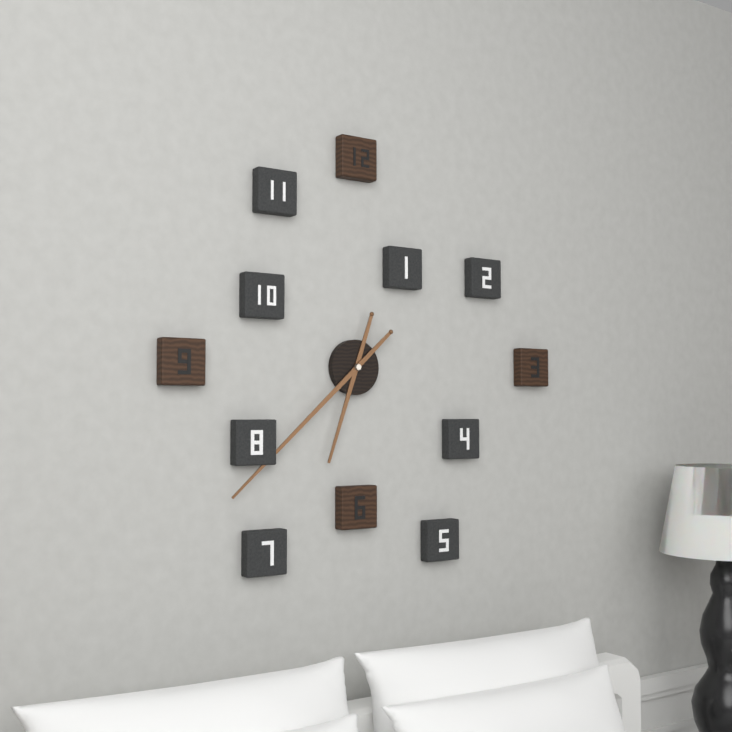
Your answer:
**6:38**
